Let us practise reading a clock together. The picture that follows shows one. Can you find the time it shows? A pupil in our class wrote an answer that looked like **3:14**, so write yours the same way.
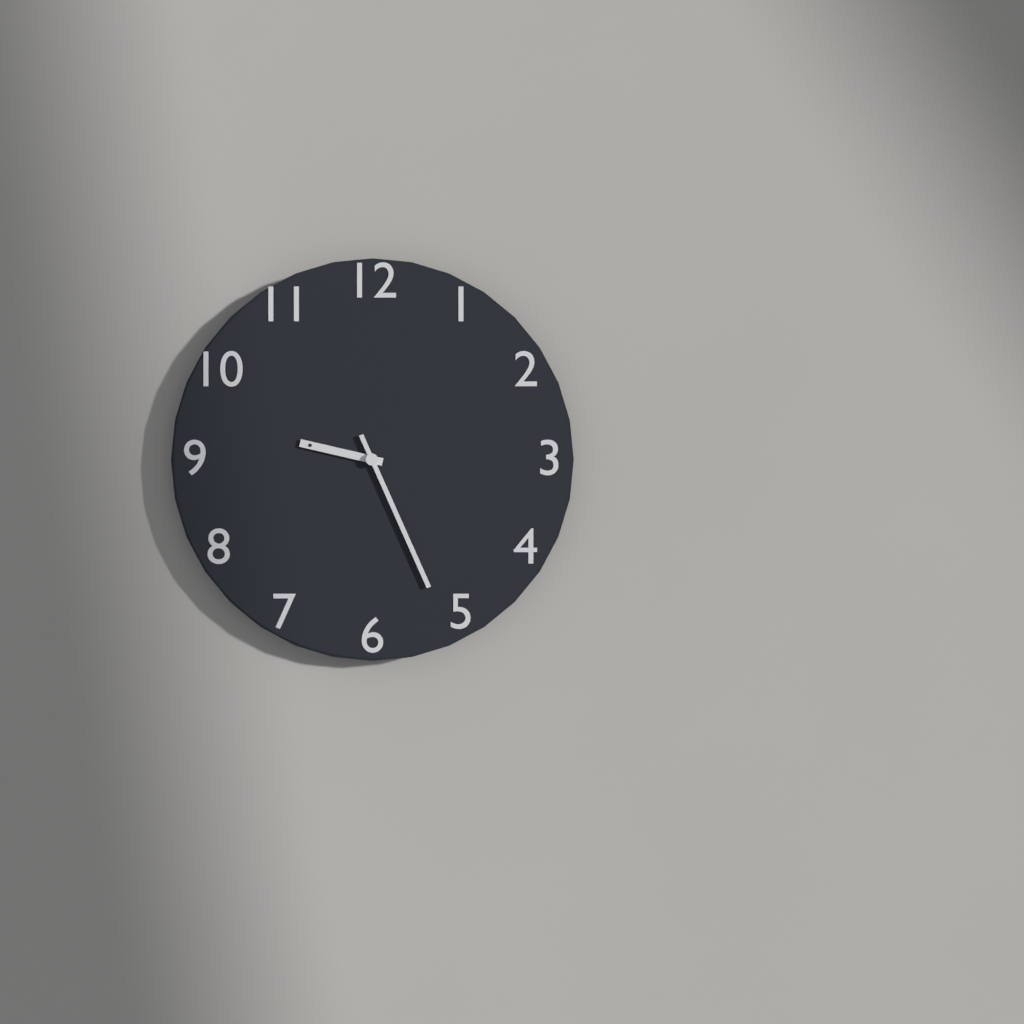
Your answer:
**9:26**
